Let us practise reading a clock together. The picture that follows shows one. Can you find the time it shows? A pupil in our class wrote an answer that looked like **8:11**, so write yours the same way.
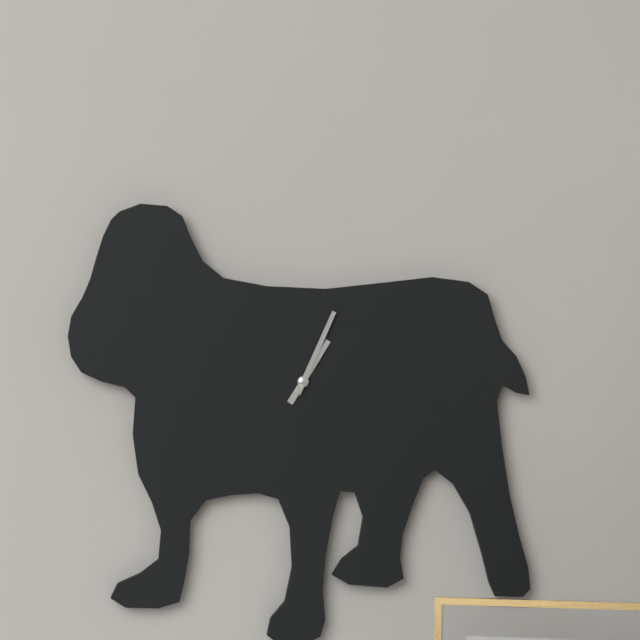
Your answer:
**1:04**
